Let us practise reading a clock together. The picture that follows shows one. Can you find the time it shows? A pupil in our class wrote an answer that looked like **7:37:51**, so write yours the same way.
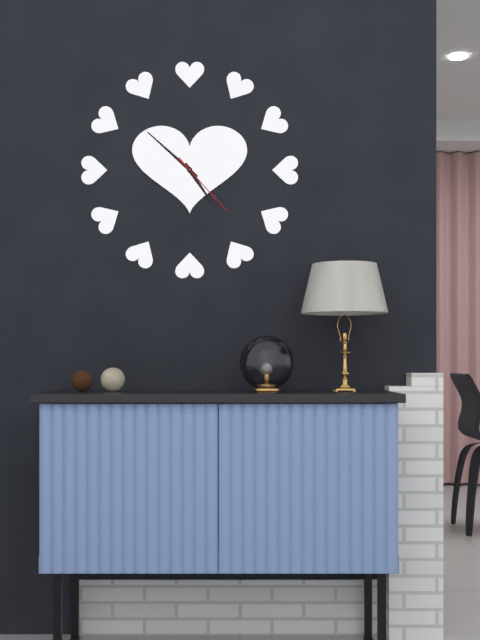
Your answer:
**4:52:23**
